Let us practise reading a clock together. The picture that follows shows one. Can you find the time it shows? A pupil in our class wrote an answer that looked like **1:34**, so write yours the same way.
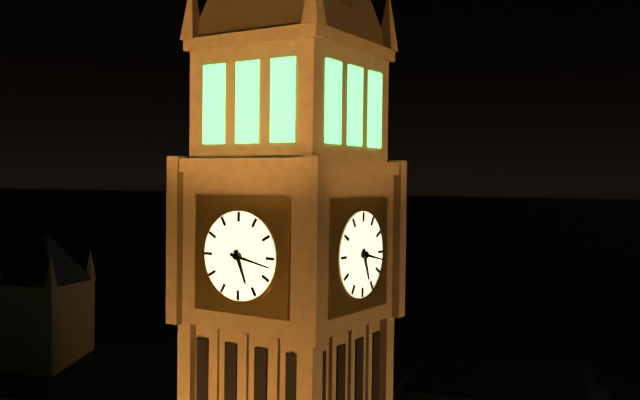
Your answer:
**5:17**
